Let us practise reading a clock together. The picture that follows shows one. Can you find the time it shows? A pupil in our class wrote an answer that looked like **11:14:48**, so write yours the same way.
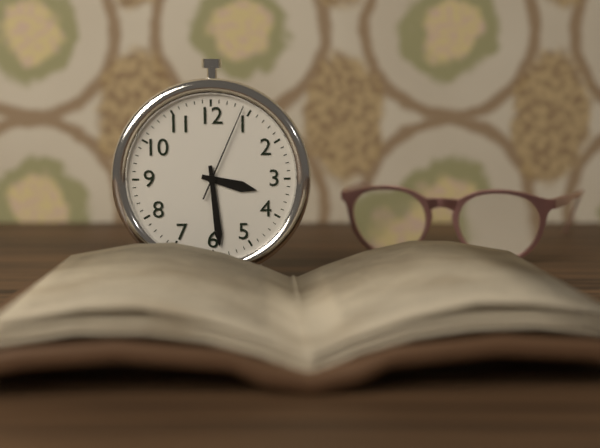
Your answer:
**3:29:04**
